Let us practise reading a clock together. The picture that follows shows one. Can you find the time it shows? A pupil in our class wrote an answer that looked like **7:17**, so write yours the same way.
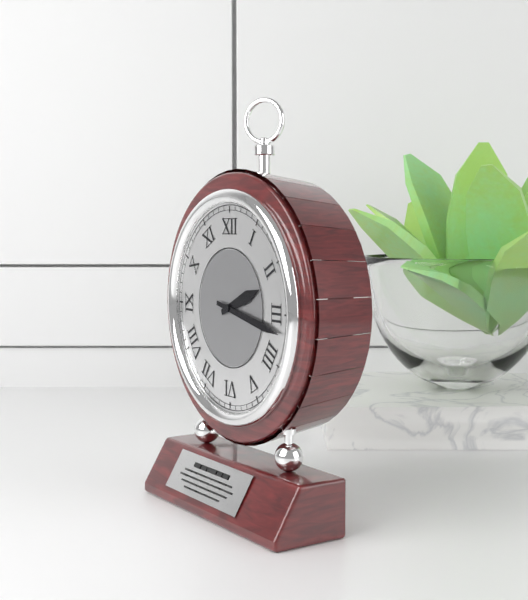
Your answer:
**2:17**
